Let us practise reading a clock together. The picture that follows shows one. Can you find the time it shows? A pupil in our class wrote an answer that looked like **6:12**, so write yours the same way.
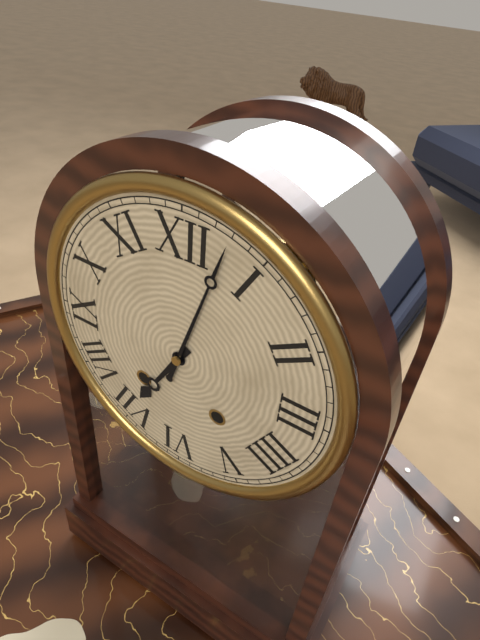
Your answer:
**7:03**
